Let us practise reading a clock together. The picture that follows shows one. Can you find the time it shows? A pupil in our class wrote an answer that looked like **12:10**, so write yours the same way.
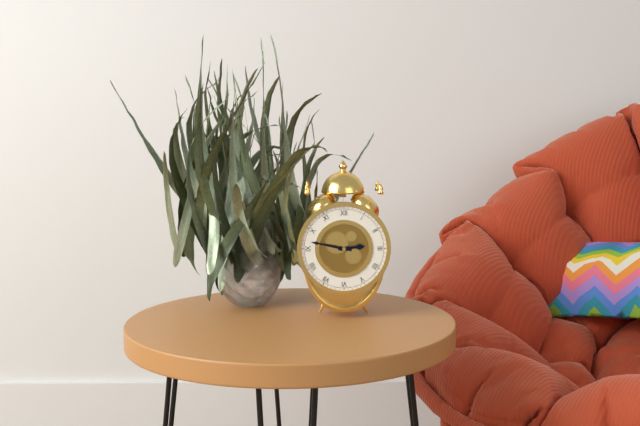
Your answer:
**2:47**
